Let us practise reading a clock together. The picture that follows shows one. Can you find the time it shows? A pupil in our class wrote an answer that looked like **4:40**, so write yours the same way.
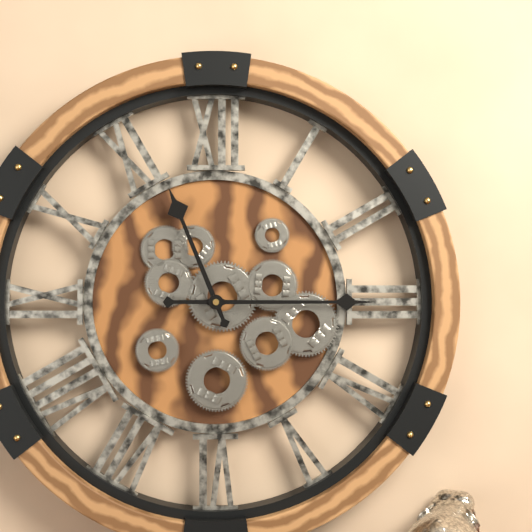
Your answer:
**11:15**
